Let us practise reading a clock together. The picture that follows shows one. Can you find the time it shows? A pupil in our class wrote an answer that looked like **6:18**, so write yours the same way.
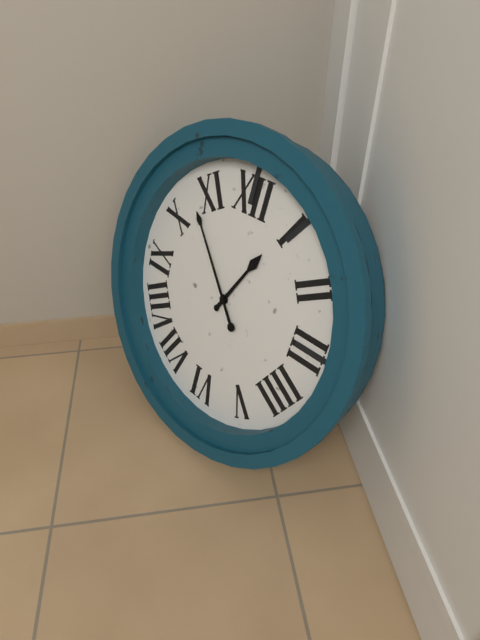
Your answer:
**12:53**
